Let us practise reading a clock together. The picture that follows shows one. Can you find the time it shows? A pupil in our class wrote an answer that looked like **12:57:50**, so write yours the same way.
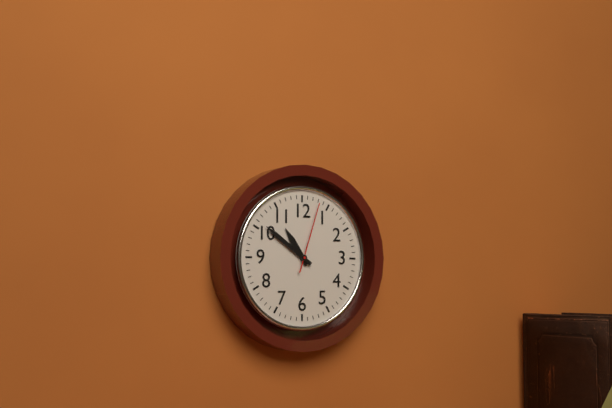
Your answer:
**10:51:03**
